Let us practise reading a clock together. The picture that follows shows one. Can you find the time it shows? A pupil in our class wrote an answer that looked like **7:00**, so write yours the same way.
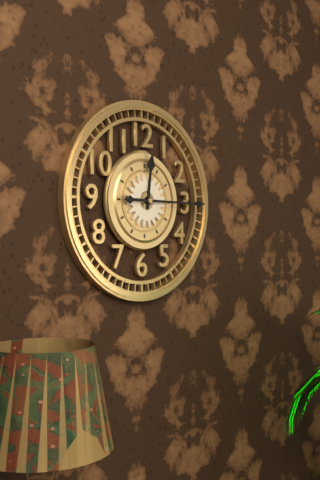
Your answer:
**12:15**
